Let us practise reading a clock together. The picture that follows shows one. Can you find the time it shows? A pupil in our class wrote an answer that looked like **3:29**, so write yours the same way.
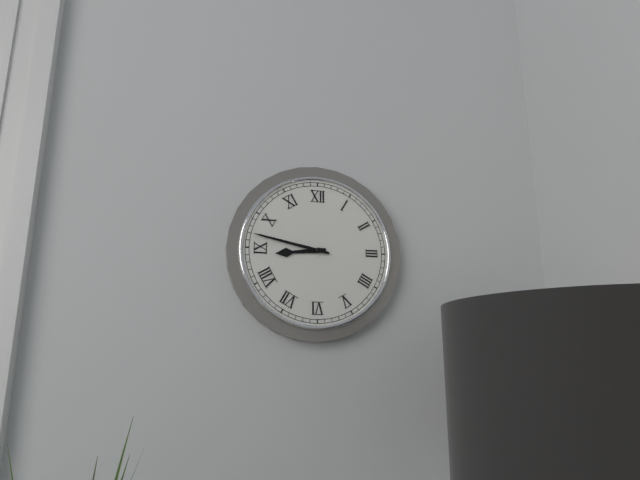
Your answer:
**8:47**
